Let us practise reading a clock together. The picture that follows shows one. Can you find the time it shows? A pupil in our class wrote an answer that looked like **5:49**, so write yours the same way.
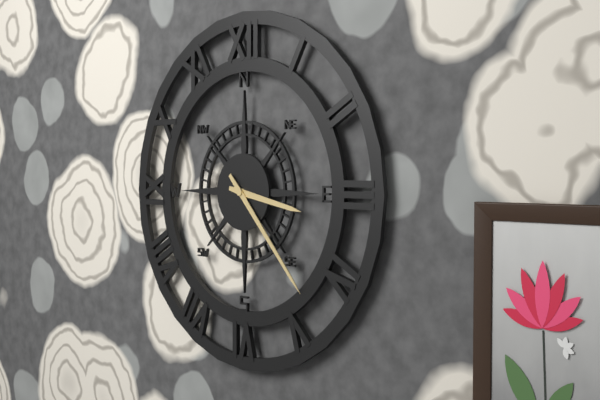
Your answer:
**3:23**
